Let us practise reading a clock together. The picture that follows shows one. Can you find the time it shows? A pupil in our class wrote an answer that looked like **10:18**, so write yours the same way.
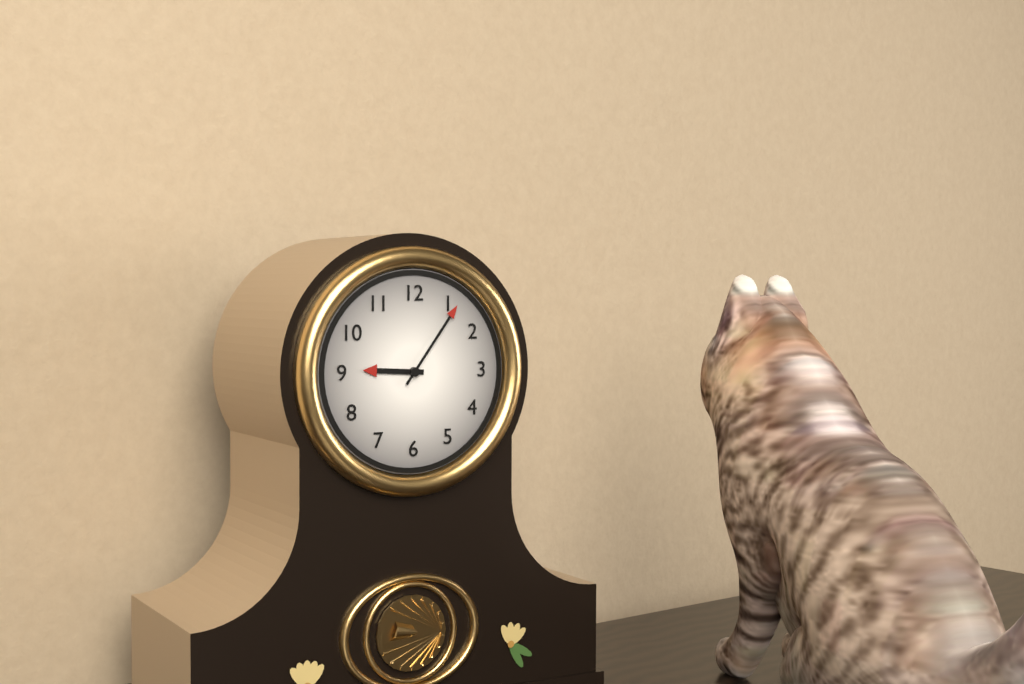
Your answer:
**9:06**
